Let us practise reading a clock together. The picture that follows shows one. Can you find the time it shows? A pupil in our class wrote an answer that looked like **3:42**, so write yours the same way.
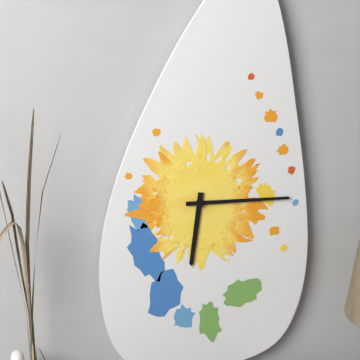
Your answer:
**6:15**
